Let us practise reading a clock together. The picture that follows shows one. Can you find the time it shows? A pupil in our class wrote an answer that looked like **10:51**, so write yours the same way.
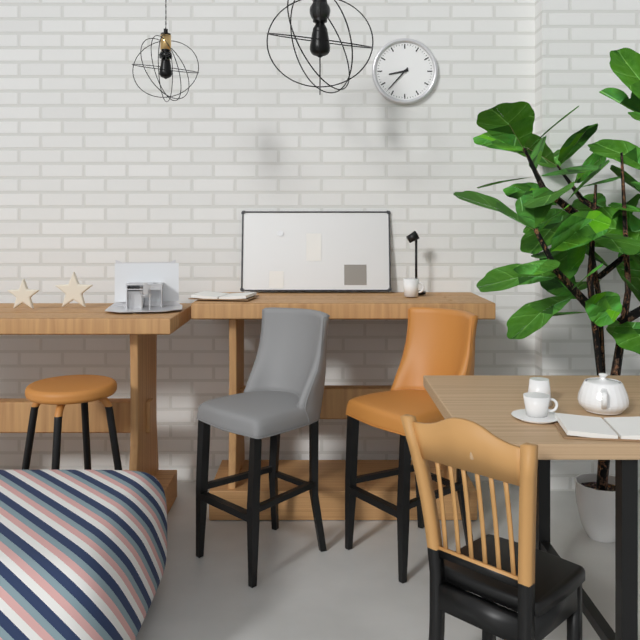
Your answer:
**8:37**
